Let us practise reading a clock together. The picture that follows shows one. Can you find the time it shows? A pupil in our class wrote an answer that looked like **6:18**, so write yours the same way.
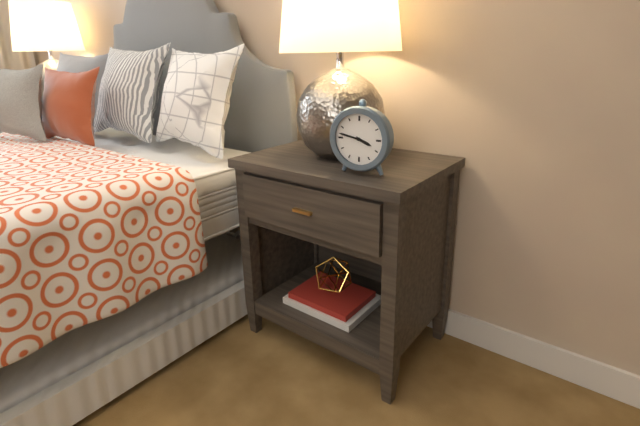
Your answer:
**3:47**
